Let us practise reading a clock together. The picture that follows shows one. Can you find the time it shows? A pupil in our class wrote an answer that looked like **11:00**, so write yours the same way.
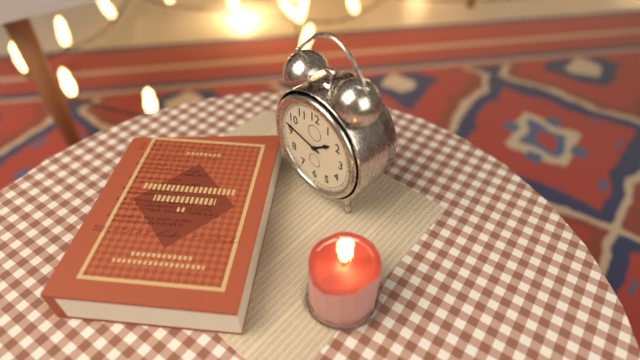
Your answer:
**1:47**
